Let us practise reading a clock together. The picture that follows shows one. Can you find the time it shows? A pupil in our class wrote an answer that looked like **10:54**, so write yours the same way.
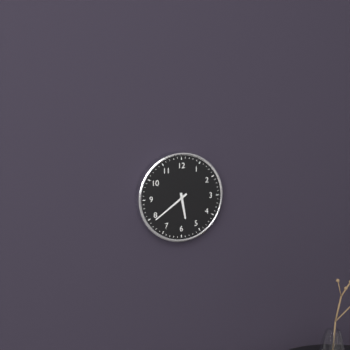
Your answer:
**5:39**
